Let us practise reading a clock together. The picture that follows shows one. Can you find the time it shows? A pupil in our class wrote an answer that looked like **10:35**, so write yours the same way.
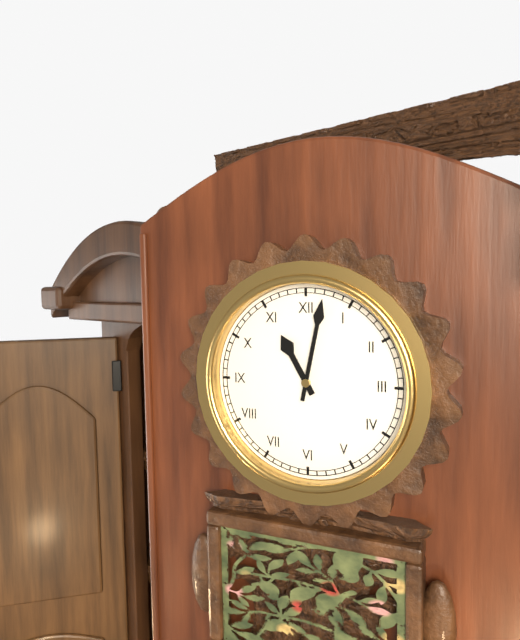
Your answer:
**11:02**
